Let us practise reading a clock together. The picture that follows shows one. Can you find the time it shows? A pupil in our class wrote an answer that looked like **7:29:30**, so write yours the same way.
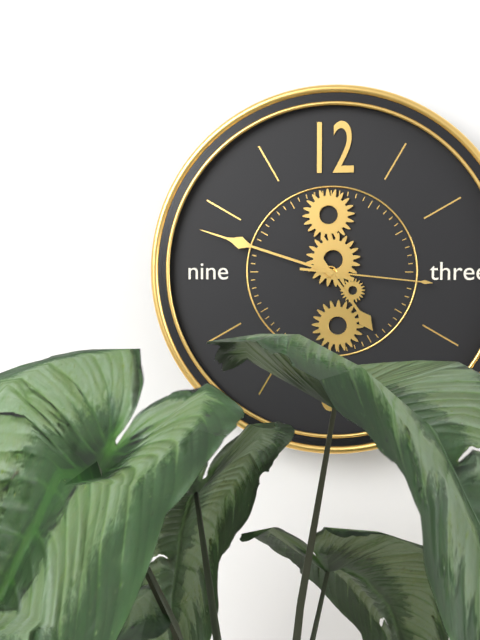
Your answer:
**4:48:16**
